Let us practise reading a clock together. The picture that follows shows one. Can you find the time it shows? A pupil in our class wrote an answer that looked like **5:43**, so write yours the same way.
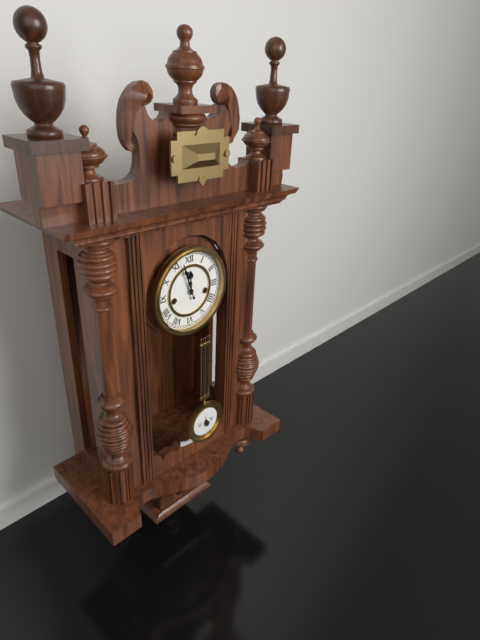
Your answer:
**11:57**
